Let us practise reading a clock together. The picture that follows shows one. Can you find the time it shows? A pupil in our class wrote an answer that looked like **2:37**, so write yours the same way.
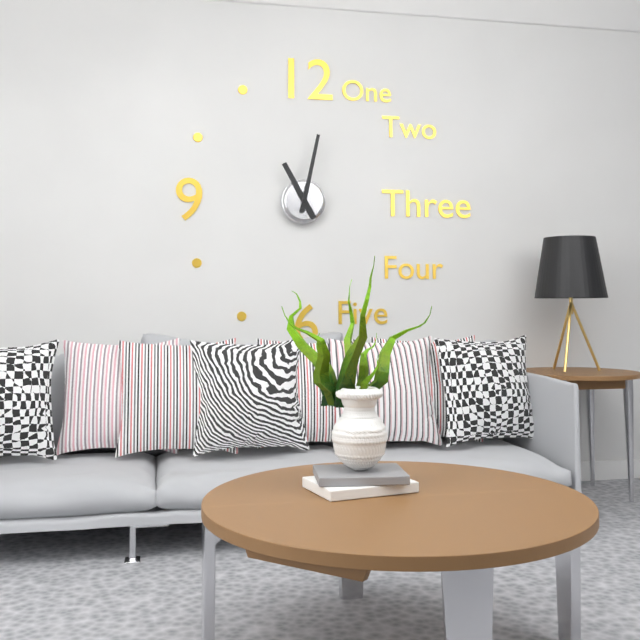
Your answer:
**11:02**
